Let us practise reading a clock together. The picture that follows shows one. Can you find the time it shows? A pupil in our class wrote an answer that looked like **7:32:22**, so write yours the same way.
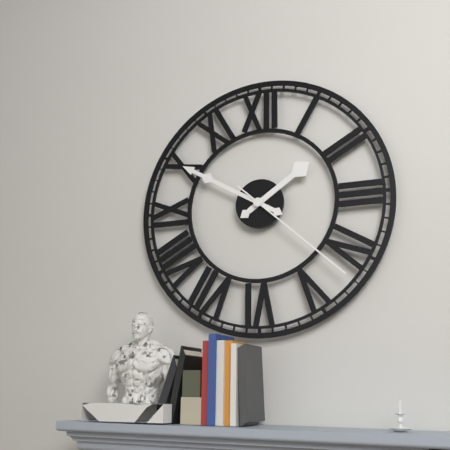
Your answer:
**1:50:22**
